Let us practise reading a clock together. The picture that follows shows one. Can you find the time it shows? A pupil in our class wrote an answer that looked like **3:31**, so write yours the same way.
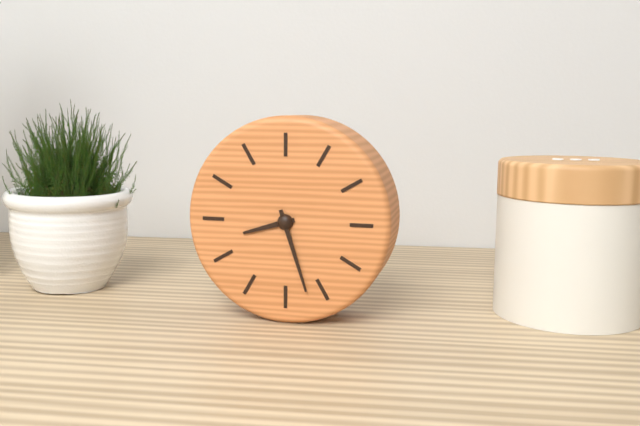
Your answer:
**8:27**
